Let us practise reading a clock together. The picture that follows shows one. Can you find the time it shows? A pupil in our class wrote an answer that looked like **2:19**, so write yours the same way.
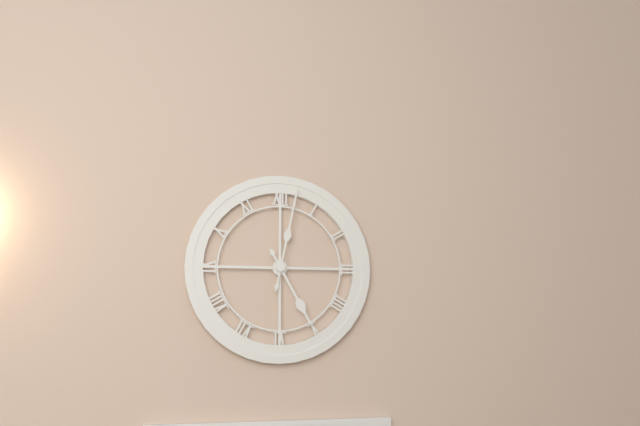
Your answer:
**5:02**
